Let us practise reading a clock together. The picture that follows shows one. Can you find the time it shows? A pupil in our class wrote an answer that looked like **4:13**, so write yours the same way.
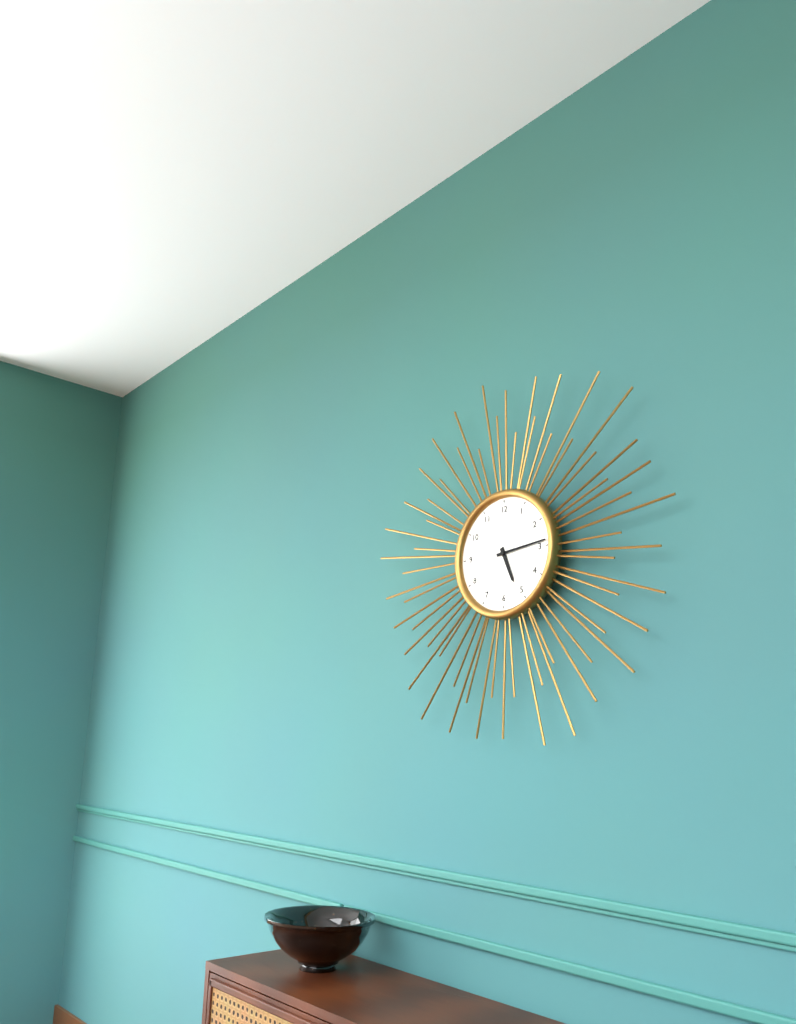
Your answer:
**5:14**
